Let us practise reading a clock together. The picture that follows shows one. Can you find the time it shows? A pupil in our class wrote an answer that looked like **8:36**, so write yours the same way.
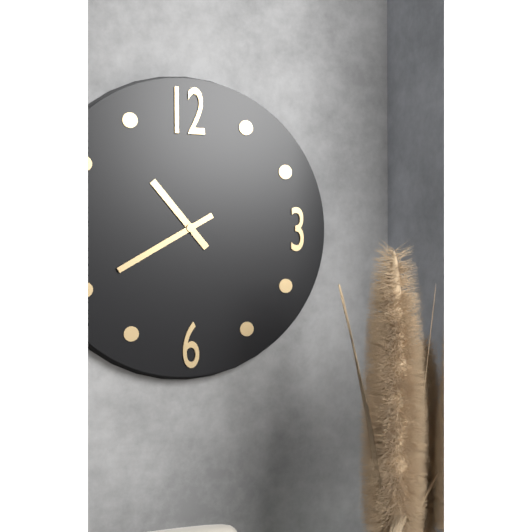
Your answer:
**10:40**
